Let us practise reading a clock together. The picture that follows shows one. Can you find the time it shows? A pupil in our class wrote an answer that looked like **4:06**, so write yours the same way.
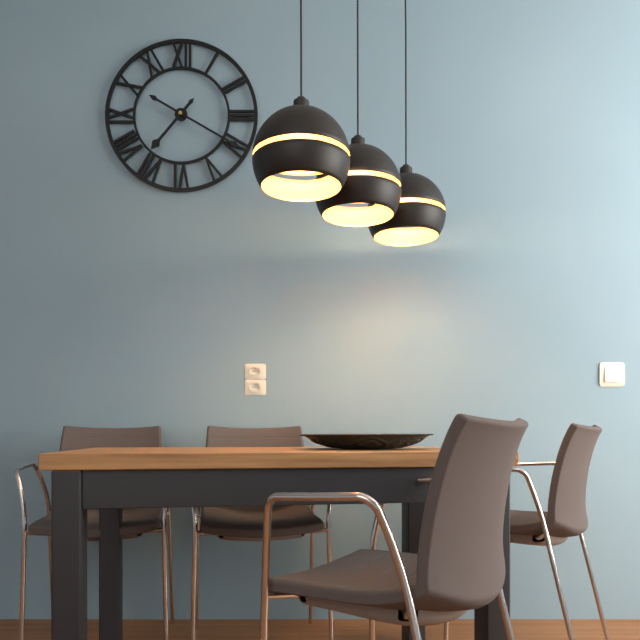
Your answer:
**7:20**
